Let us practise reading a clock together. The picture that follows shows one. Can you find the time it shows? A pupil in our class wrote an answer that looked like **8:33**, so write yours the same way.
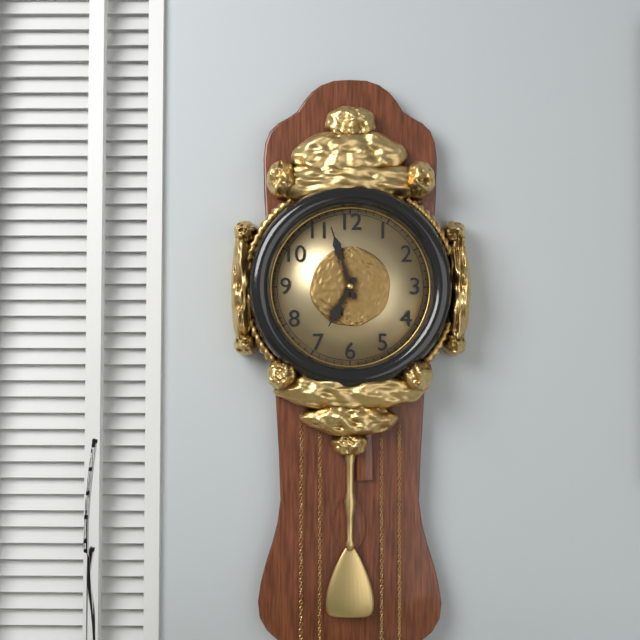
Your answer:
**6:57**
